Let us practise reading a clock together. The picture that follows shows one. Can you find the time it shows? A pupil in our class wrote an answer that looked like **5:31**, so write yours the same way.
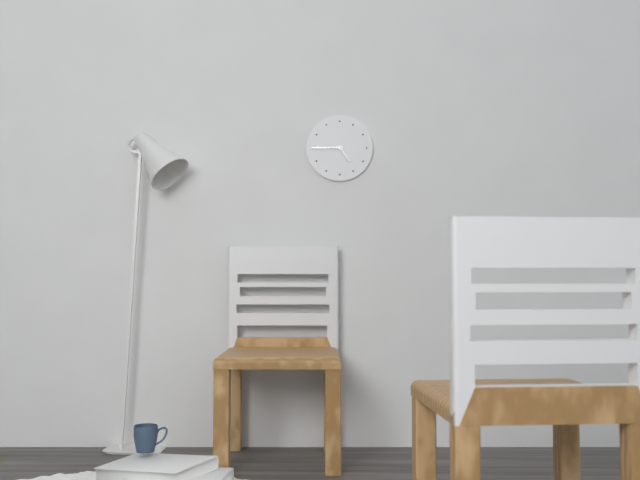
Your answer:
**4:45**
